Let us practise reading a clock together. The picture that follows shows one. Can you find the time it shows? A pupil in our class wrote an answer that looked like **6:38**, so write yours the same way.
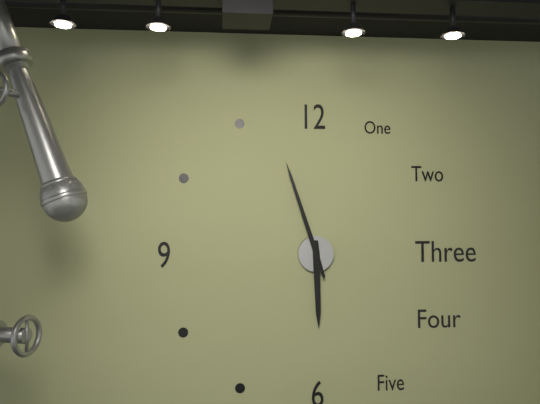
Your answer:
**5:57**
